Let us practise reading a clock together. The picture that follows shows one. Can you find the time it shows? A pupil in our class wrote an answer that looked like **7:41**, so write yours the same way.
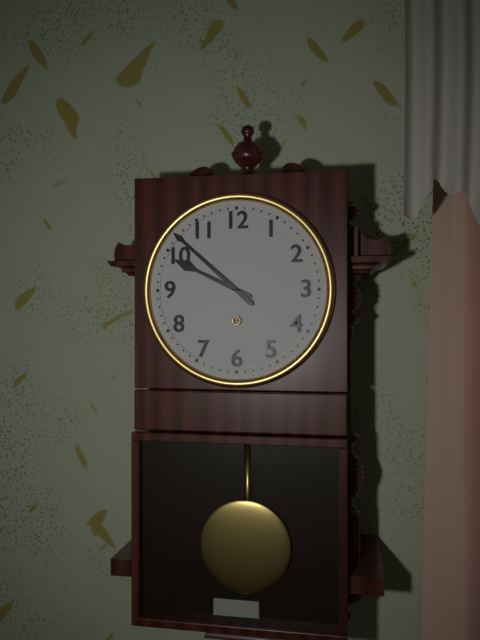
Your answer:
**9:52**
